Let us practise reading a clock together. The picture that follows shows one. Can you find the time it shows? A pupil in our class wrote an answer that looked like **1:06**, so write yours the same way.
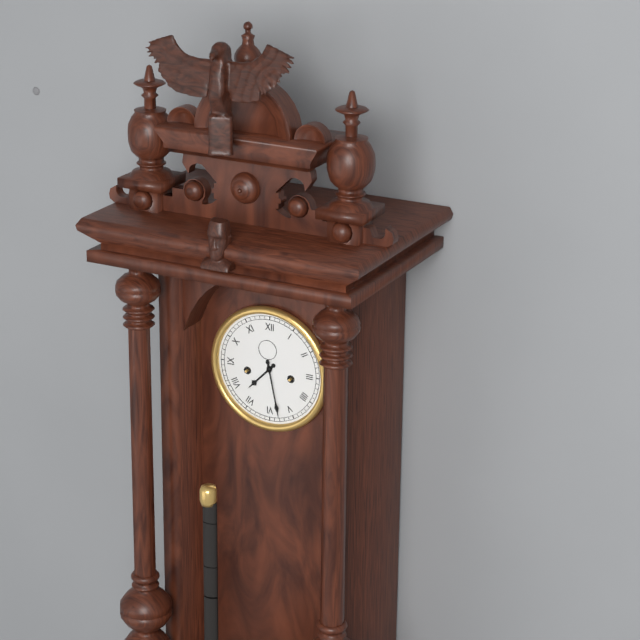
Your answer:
**7:28**
